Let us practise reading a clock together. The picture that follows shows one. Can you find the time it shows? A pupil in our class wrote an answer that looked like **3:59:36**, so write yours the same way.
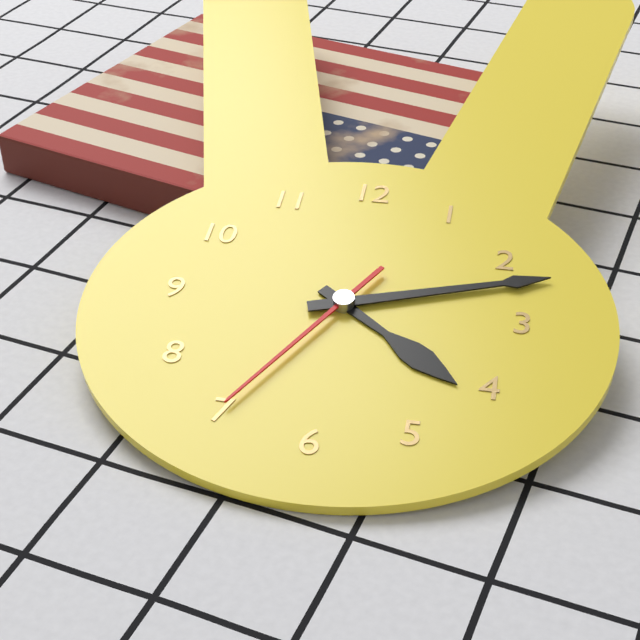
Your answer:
**4:12:35**
